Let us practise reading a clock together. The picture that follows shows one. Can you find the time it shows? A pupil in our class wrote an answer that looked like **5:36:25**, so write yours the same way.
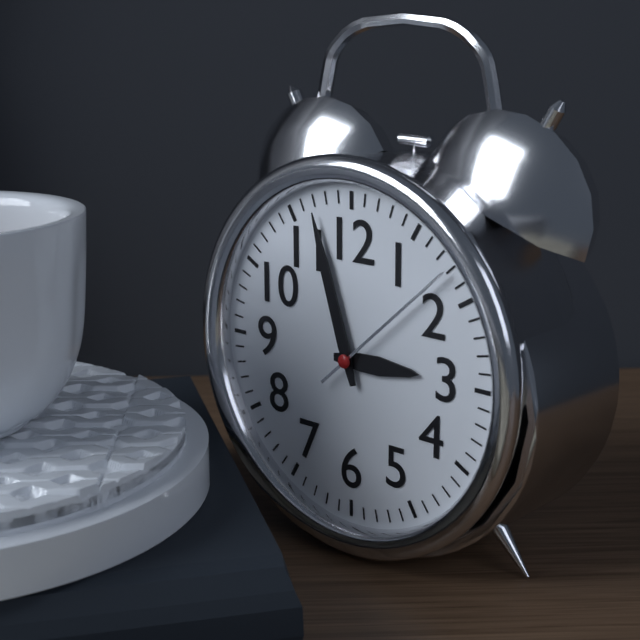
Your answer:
**2:57:08**
